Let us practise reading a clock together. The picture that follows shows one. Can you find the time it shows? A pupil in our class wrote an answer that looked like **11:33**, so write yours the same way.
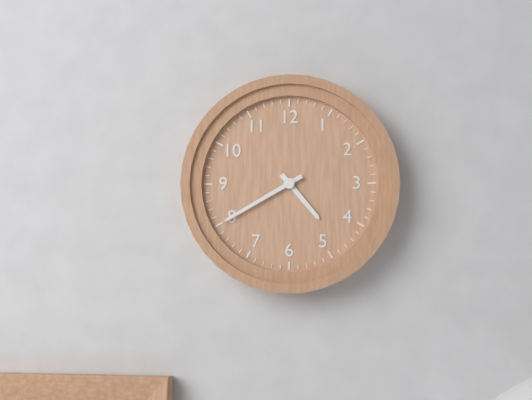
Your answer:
**4:40**
